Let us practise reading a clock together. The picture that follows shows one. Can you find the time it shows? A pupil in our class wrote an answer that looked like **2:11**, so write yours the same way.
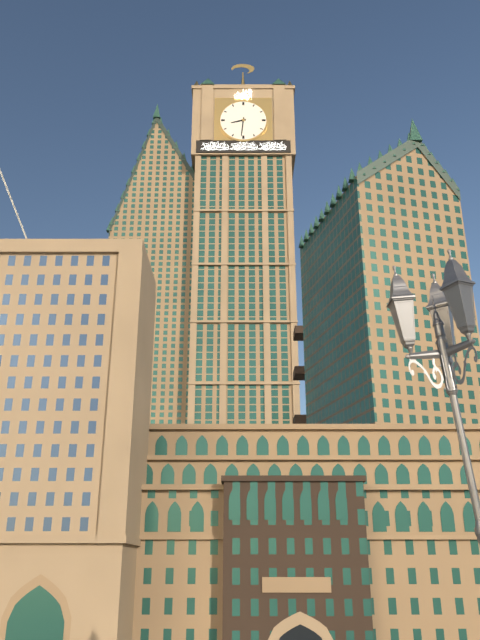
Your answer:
**8:31**
